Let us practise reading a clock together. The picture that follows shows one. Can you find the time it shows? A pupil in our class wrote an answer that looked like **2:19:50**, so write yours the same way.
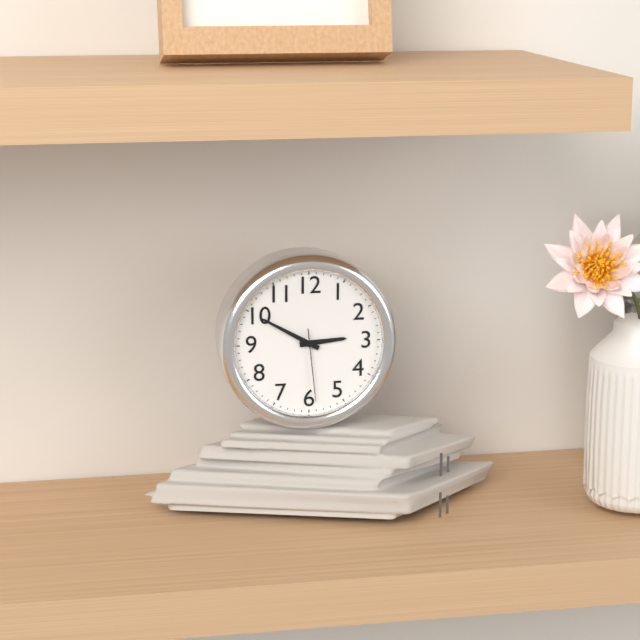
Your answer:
**2:50:29**
